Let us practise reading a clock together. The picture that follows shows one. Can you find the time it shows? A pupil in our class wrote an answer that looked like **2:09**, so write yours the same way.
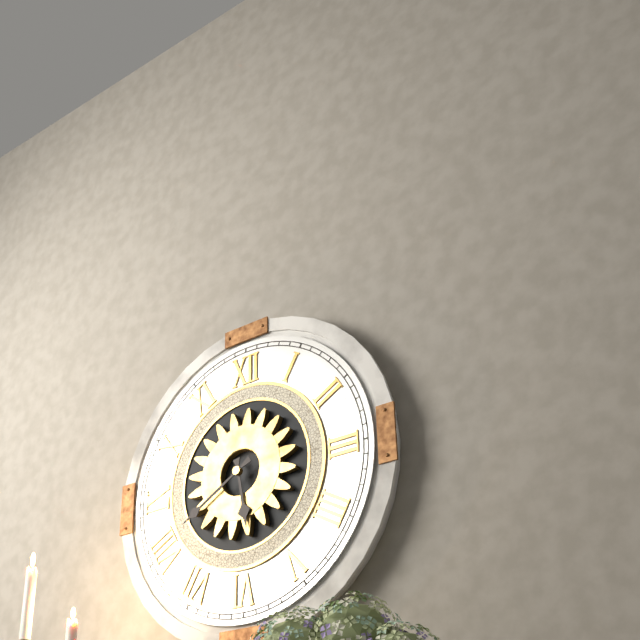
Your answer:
**5:40**
